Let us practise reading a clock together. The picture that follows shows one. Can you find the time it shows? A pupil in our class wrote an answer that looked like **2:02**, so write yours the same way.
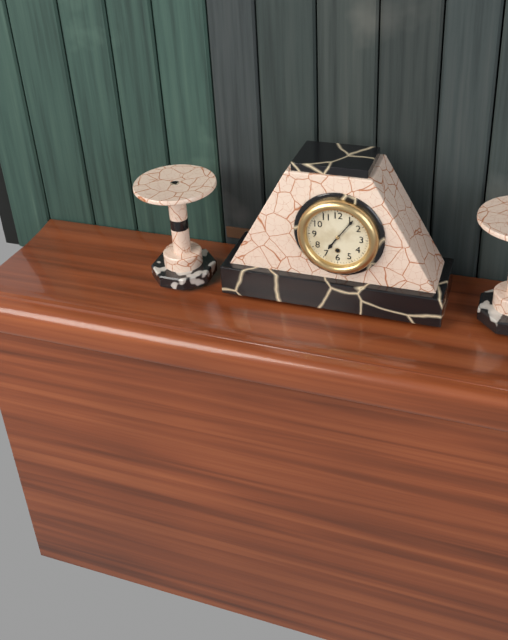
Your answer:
**7:06**
